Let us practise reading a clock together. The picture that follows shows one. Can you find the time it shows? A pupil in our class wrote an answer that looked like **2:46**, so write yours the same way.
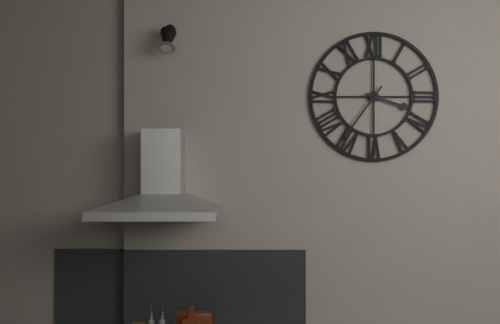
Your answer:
**3:36**
